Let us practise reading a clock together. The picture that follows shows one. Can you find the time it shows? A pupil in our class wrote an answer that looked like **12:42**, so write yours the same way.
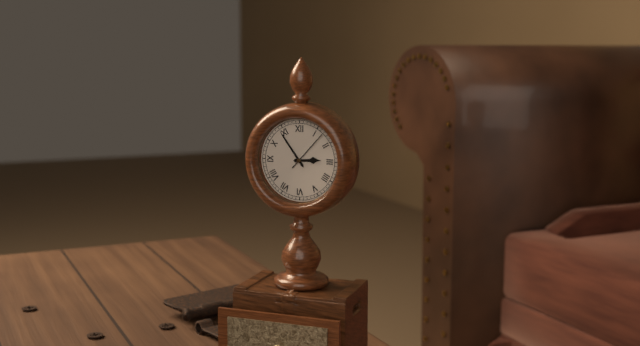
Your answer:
**2:54**
